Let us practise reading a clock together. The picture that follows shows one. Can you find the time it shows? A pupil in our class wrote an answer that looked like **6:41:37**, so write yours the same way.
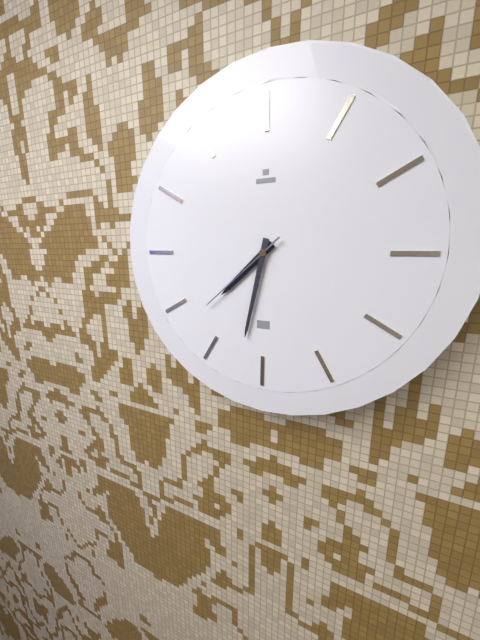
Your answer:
**7:32:38**
